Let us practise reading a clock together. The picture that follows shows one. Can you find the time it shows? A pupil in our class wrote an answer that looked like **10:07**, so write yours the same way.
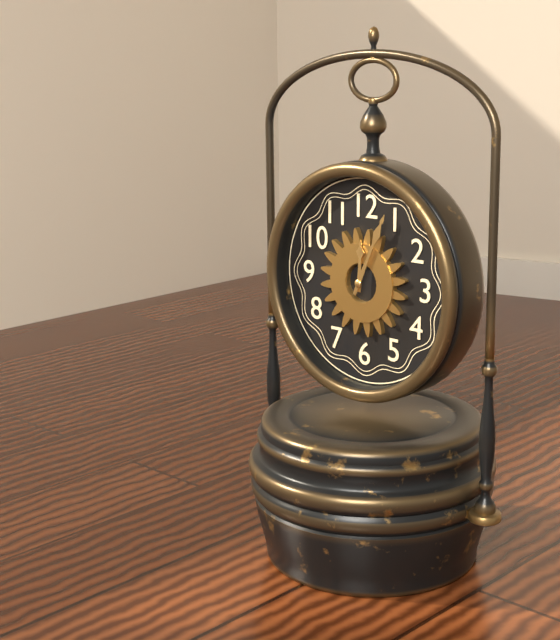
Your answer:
**12:04**
